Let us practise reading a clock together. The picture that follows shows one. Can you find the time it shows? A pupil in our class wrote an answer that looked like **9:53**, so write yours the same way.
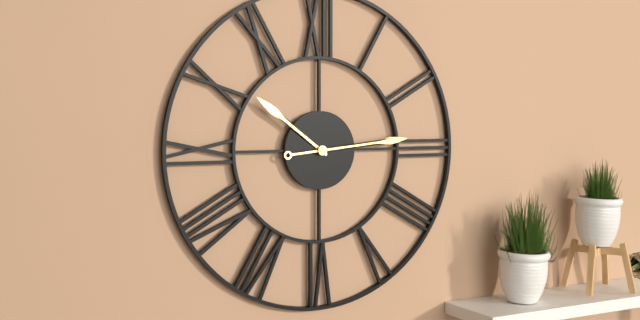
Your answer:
**10:14**
